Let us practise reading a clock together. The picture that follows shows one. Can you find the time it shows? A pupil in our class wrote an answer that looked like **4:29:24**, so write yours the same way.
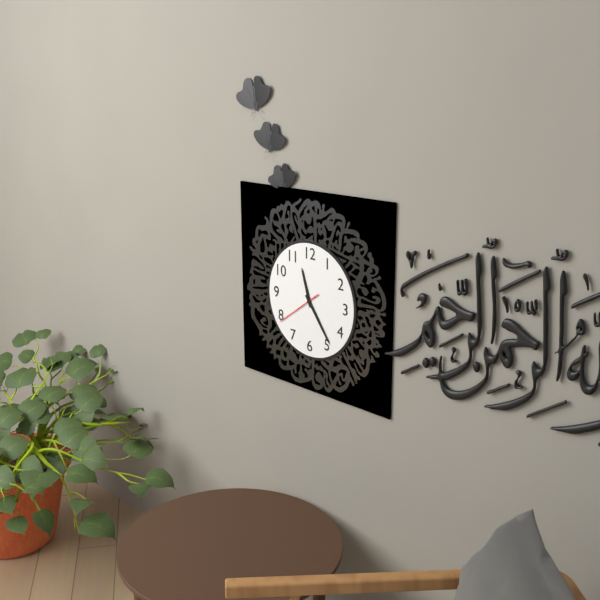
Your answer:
**11:24:39**
